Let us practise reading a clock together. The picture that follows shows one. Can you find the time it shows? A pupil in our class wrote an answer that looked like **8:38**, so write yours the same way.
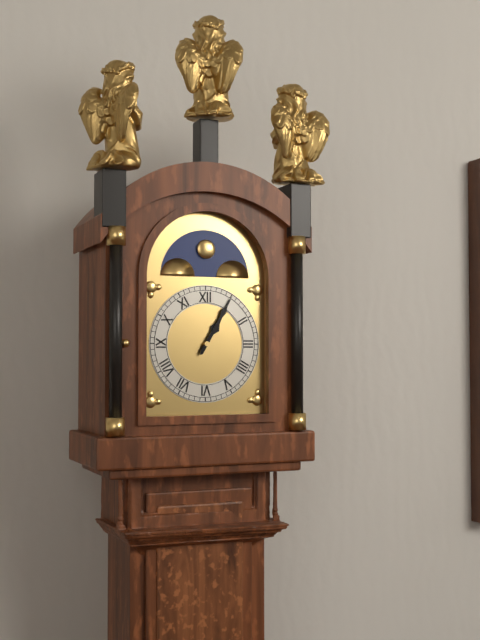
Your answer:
**1:05**
